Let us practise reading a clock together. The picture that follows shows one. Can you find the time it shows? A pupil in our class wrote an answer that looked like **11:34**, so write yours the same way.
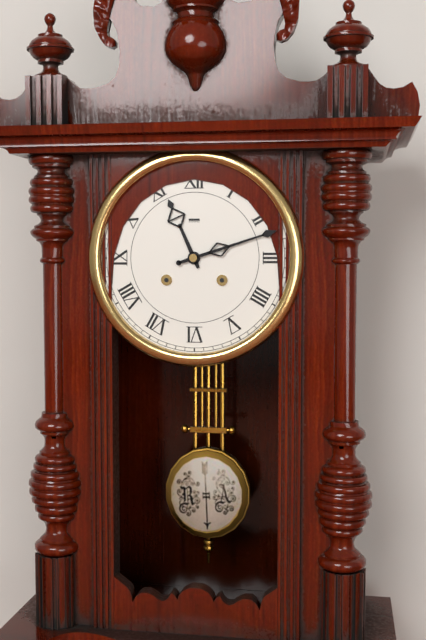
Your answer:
**11:12**
